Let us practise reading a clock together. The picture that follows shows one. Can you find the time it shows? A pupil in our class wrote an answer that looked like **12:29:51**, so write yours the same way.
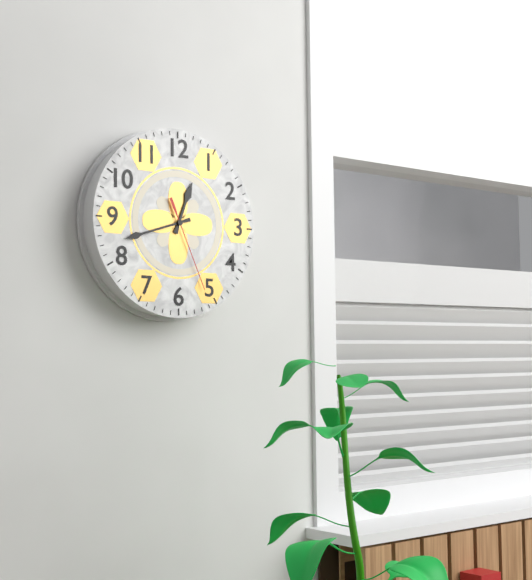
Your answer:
**12:42:26**
